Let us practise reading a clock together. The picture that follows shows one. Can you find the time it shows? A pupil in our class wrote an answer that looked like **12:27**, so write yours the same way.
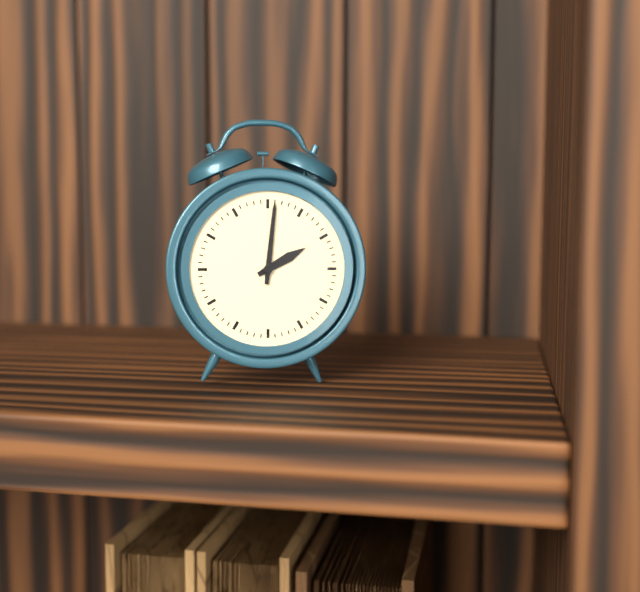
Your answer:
**2:01**
